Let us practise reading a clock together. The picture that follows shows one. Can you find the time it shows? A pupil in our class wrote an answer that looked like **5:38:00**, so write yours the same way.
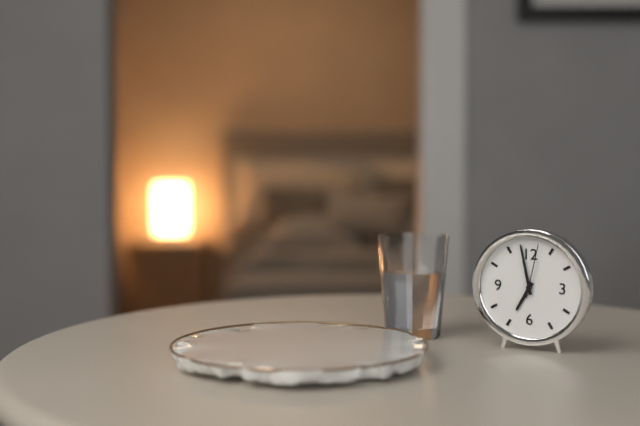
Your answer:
**6:58:02**
